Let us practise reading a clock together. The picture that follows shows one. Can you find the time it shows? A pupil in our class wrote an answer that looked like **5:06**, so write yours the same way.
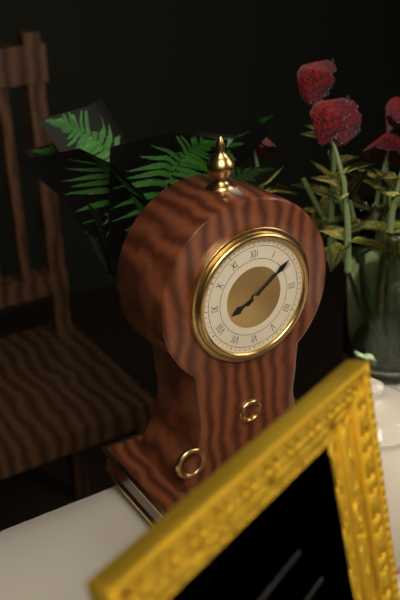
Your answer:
**8:09**
